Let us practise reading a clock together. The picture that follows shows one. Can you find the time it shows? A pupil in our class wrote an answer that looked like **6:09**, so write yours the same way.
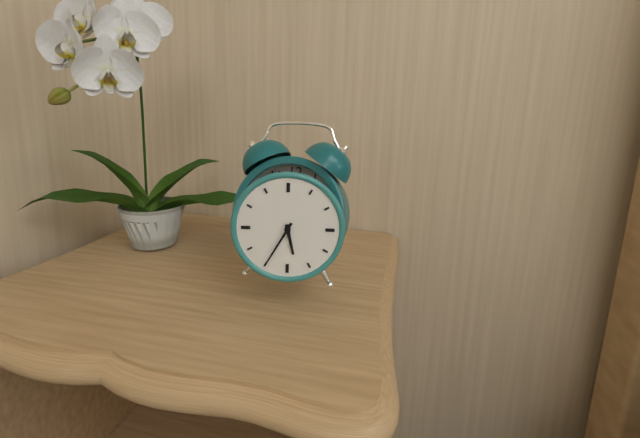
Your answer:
**5:35**
